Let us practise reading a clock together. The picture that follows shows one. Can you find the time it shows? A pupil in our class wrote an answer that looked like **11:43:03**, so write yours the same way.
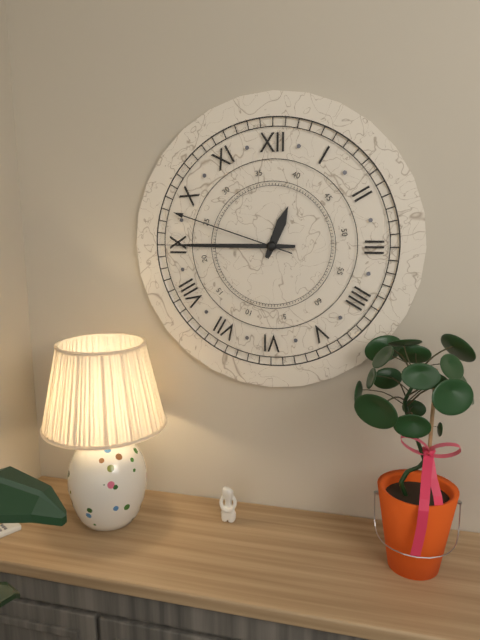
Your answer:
**12:45:48**
